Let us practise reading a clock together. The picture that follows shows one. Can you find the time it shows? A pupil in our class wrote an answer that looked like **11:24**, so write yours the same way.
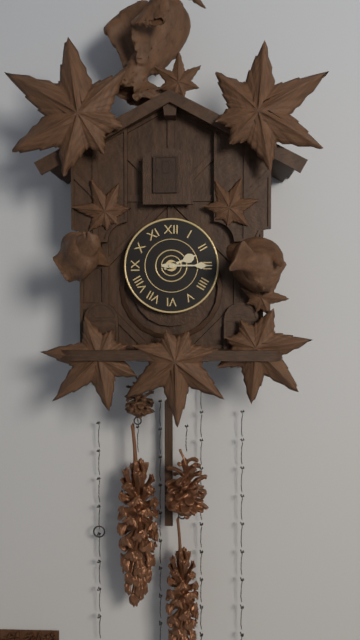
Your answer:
**2:15**
